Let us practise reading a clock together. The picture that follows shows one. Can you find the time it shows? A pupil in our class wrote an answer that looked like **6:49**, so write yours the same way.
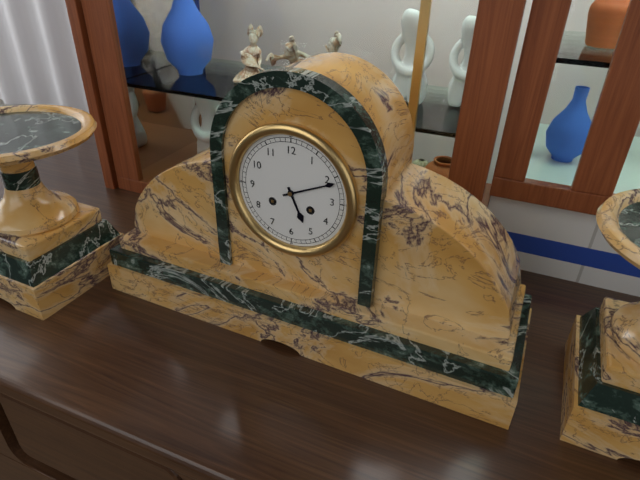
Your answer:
**5:11**
